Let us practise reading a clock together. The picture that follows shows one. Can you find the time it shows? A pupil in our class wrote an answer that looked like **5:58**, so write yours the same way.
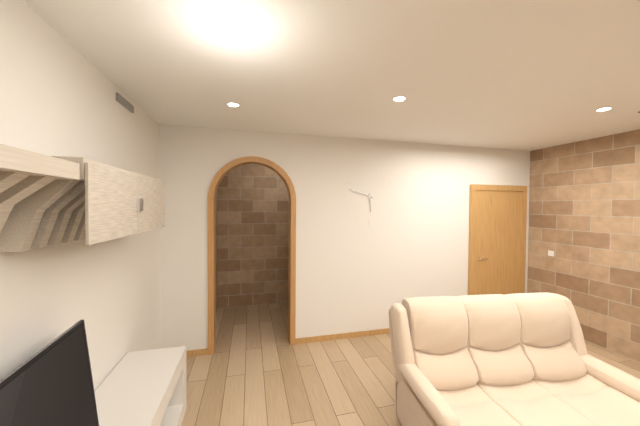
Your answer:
**5:48**
